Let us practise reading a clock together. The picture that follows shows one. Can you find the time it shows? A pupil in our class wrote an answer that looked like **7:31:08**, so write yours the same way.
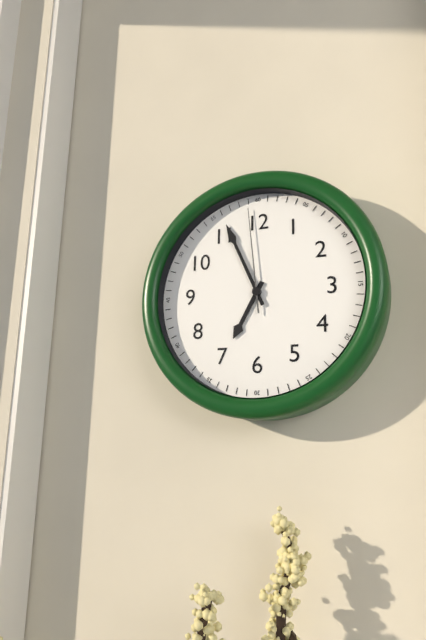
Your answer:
**6:56:59**
